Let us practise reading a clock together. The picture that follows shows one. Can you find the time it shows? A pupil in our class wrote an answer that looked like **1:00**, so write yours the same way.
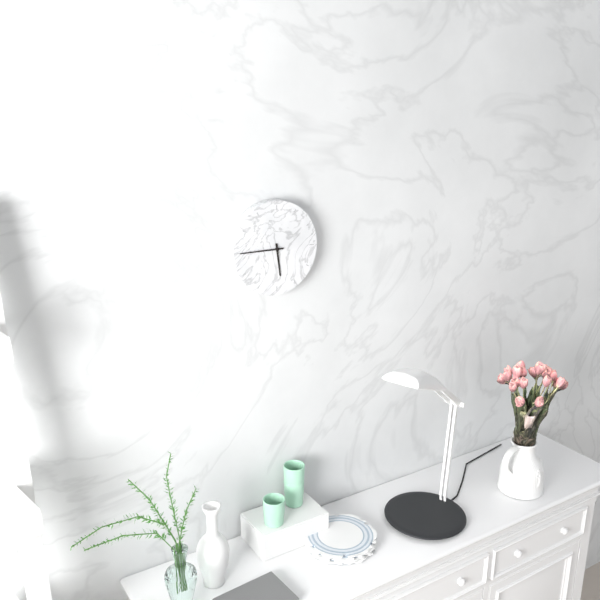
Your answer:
**5:45**
